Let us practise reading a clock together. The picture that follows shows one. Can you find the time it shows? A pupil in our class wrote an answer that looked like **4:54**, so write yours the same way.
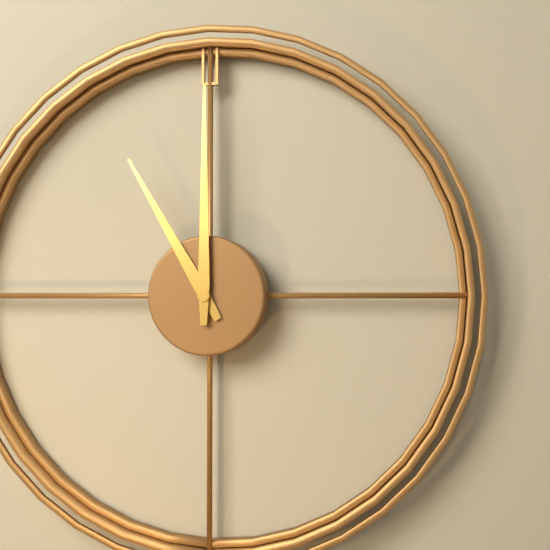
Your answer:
**11:00**
